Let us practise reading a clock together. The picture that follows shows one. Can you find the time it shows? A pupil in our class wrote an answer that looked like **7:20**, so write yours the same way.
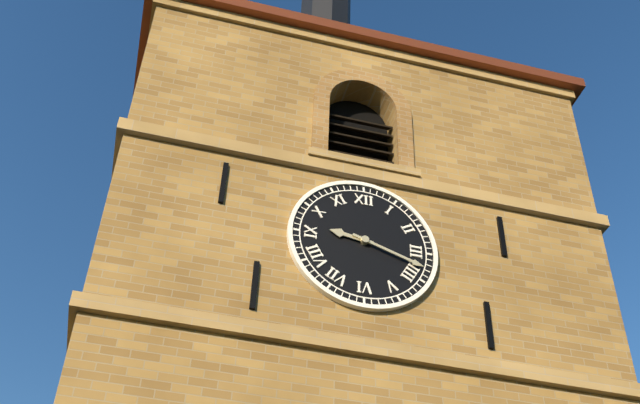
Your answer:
**9:18**
